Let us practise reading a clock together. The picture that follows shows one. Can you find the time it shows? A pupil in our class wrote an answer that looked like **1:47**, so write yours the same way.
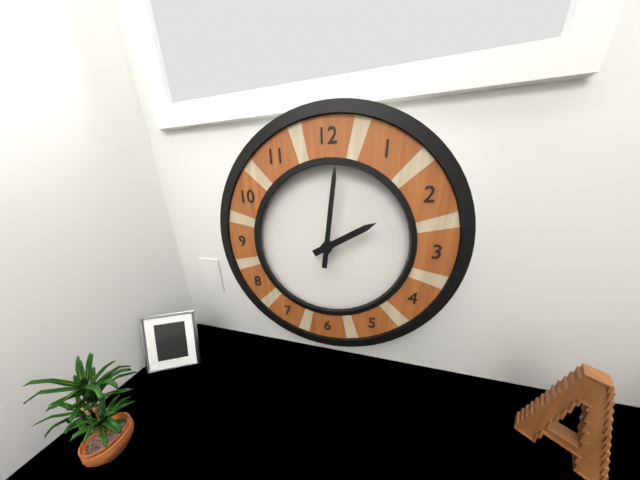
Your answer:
**2:01**
